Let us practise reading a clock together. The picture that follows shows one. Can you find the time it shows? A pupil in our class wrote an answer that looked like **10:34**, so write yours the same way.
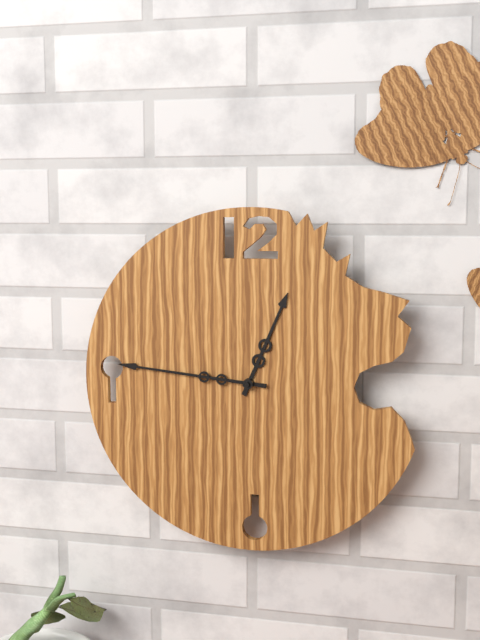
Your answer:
**12:46**
